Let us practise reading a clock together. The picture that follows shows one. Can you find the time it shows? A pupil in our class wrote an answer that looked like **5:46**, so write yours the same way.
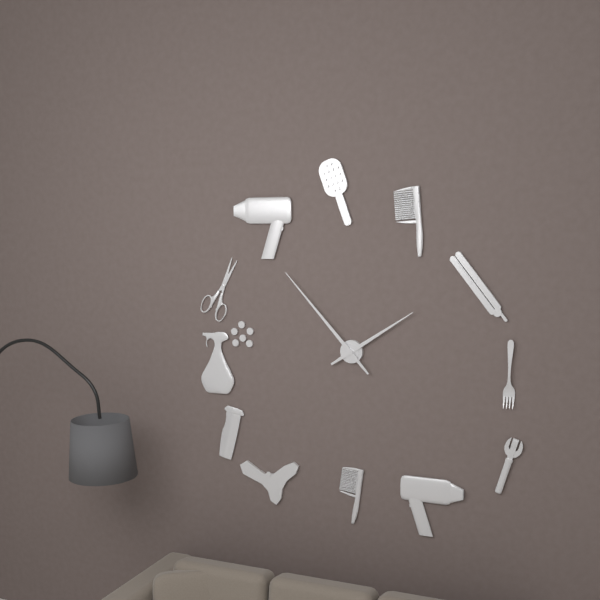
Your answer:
**1:53**
